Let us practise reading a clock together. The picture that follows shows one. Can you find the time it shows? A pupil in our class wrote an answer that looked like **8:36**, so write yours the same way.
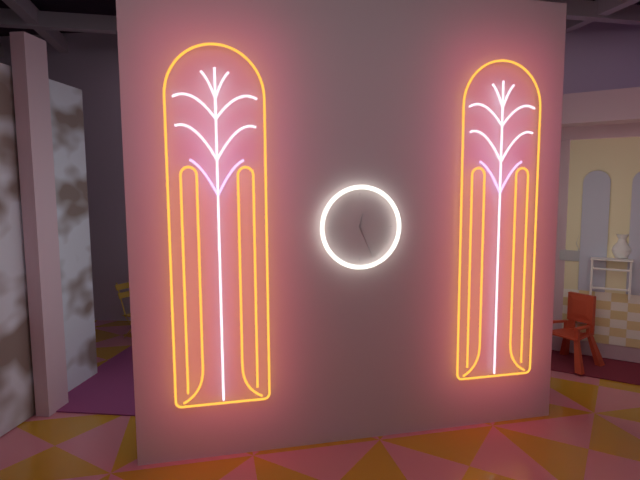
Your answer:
**12:26**
